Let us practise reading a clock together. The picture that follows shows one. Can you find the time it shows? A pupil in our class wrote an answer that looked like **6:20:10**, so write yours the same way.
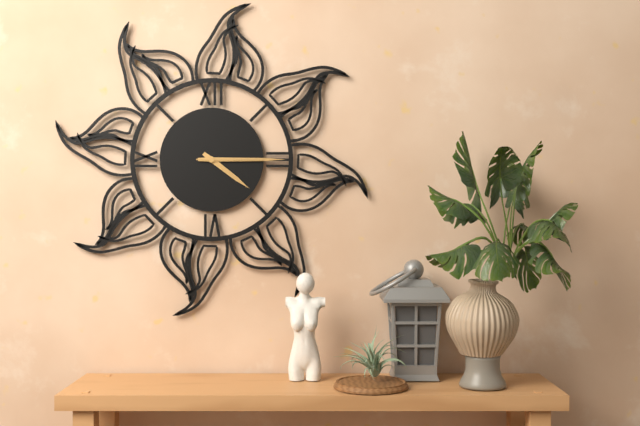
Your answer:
**4:15:15**
